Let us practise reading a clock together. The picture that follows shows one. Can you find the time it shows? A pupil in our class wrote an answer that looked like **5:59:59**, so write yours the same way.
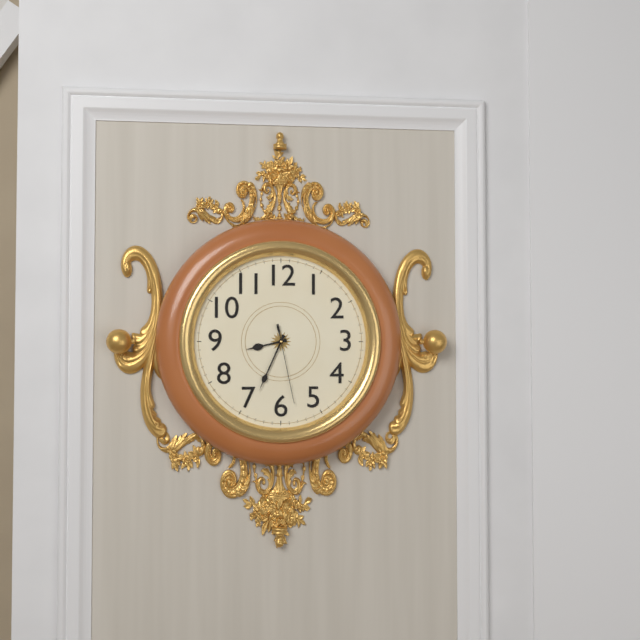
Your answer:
**8:34:28**
